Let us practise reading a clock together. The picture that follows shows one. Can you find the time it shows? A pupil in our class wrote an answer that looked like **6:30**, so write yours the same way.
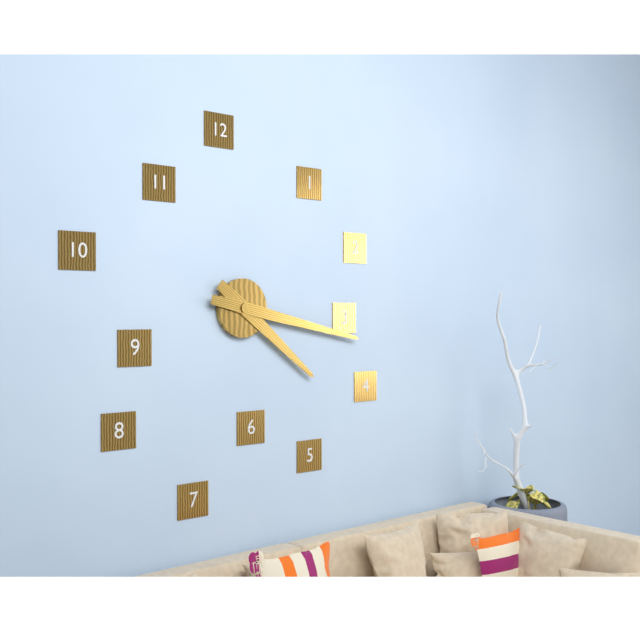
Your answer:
**4:17**
